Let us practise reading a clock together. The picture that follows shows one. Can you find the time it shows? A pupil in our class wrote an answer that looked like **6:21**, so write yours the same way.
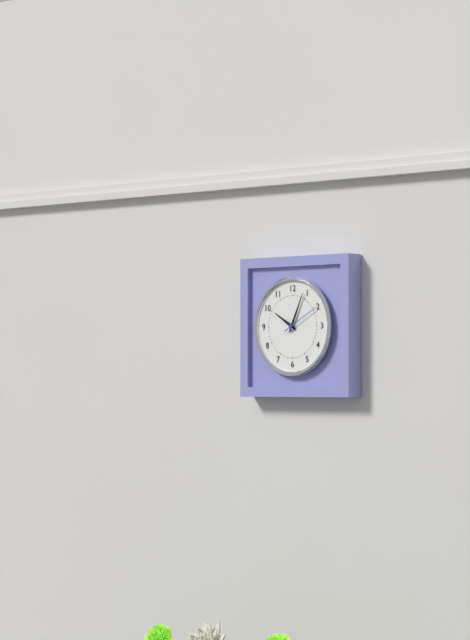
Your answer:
**10:04**
